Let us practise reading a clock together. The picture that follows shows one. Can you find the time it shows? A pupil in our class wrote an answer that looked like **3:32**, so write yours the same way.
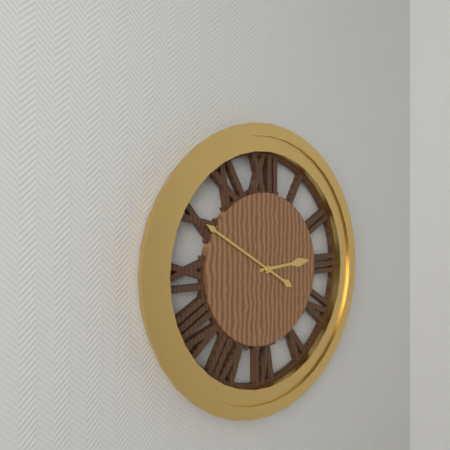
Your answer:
**2:50**
